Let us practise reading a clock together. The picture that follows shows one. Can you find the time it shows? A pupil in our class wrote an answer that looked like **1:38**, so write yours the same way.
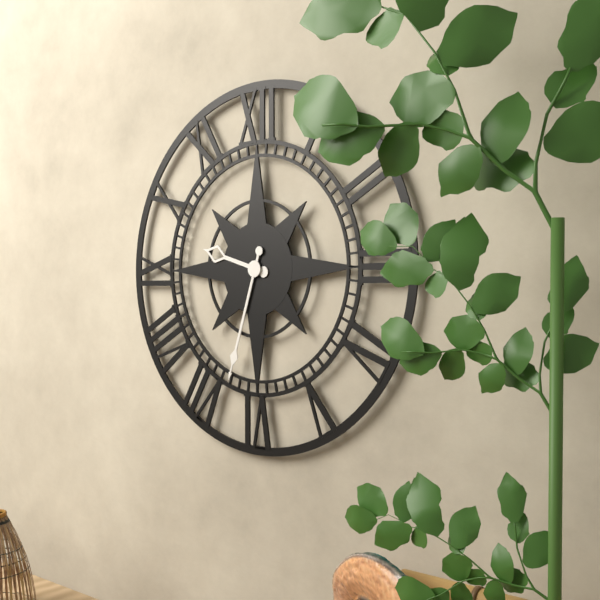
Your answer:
**9:33**
